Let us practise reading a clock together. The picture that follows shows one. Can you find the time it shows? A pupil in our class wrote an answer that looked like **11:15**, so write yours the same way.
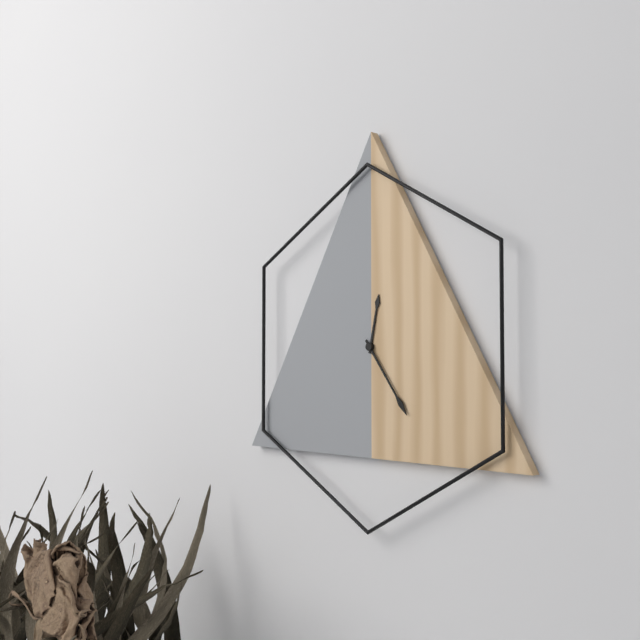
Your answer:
**12:24**
